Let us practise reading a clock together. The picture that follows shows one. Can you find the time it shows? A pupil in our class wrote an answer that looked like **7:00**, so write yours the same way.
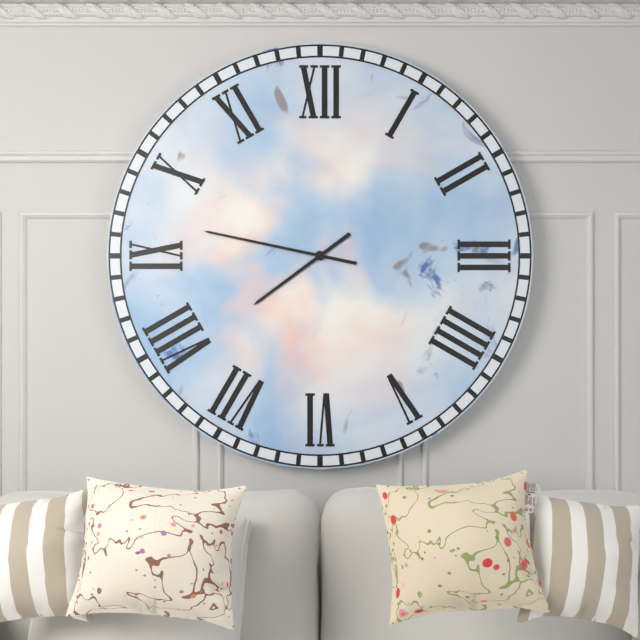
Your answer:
**7:47**
